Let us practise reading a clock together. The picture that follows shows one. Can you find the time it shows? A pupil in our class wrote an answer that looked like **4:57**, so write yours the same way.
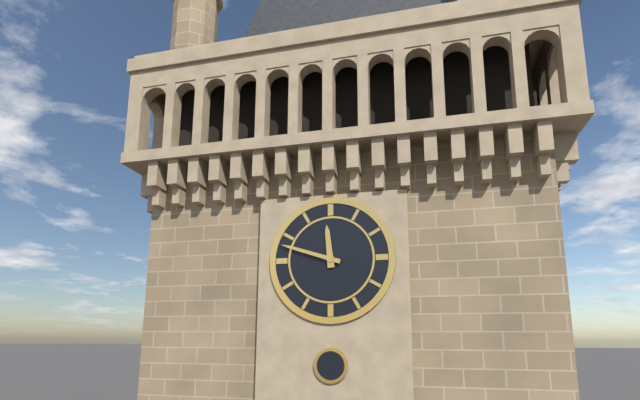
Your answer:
**11:48**
